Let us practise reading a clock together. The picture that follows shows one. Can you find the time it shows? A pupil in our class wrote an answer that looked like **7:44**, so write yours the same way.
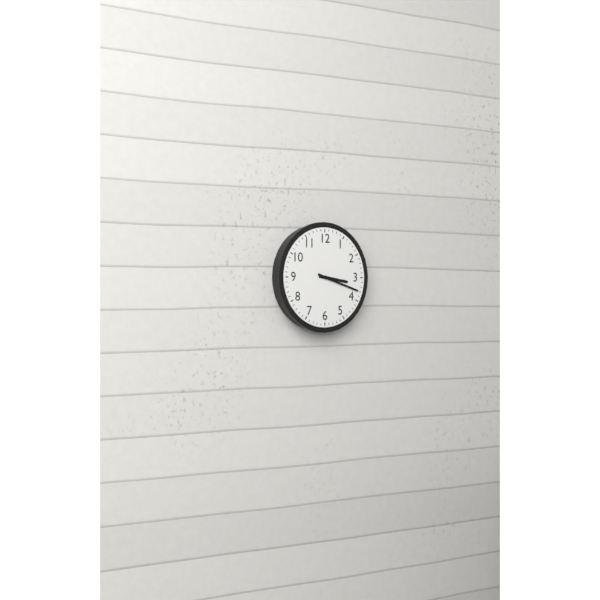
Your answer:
**3:18**
